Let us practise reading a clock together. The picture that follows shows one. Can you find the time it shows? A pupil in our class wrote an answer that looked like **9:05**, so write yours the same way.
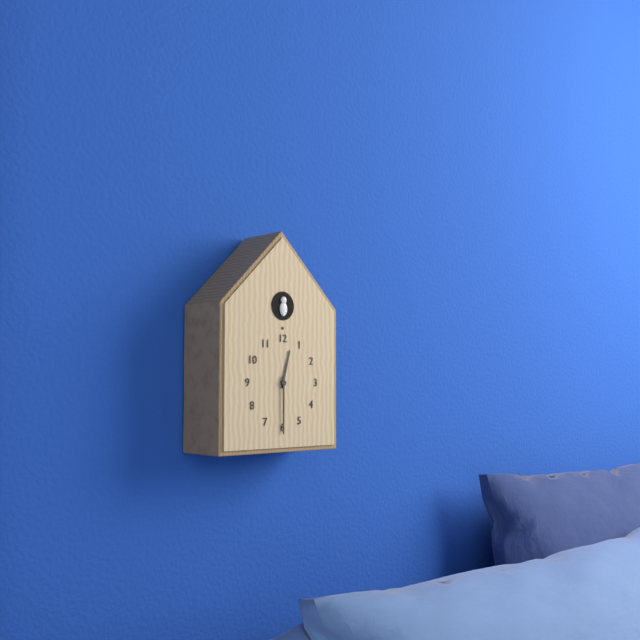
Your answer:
**12:30**
